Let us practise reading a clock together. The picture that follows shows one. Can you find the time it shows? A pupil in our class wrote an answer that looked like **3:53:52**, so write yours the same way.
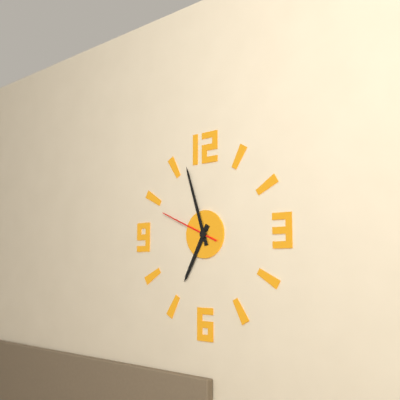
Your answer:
**6:57:49**
